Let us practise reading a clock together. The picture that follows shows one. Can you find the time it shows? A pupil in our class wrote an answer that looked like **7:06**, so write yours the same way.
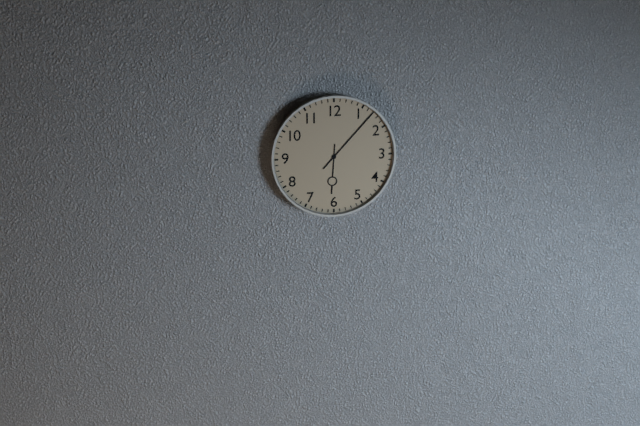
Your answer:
**6:07**
